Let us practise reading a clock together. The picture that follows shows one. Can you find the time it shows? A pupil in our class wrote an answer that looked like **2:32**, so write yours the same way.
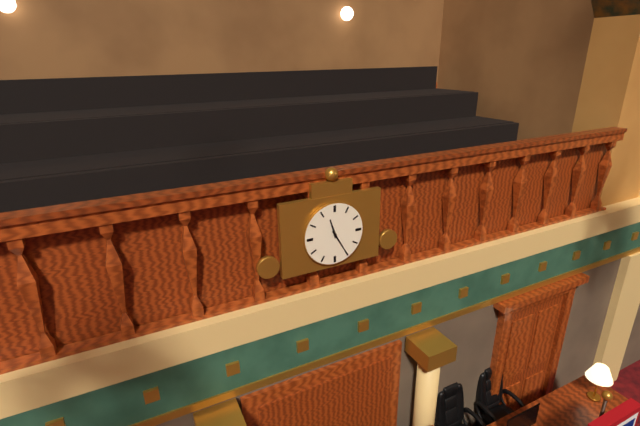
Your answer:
**11:25**
